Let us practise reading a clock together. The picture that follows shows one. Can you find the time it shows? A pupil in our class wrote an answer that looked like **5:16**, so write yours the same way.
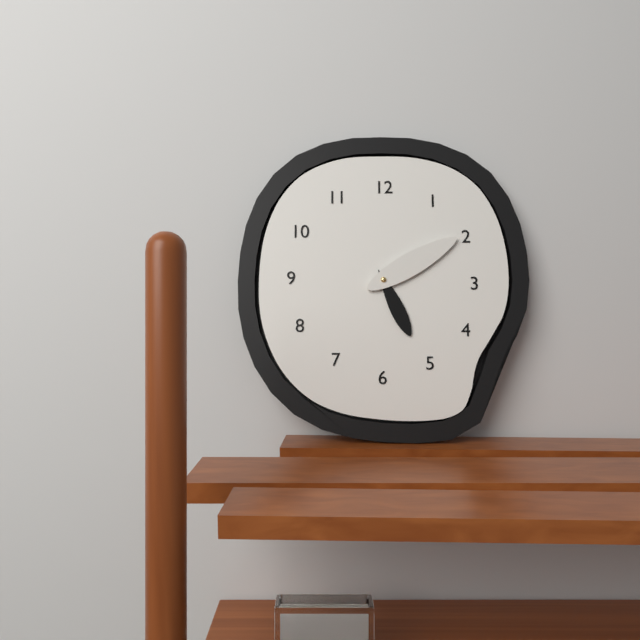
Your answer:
**5:10**
